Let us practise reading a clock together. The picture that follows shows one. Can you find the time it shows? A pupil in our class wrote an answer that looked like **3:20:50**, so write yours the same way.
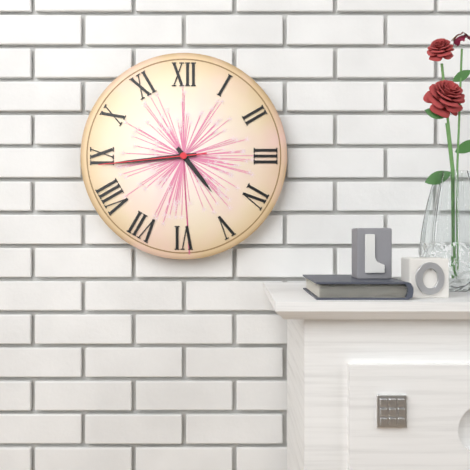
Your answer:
**4:44:44**
